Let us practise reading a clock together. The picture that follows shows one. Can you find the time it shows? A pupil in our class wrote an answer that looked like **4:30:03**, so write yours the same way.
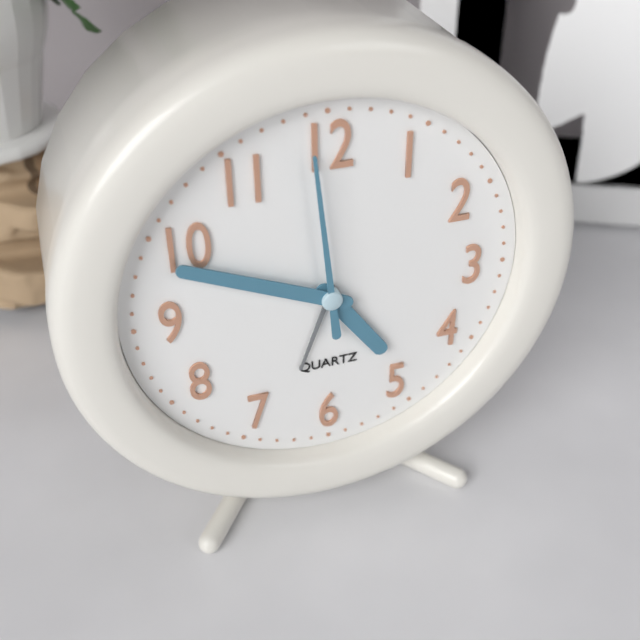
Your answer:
**4:49:59**
